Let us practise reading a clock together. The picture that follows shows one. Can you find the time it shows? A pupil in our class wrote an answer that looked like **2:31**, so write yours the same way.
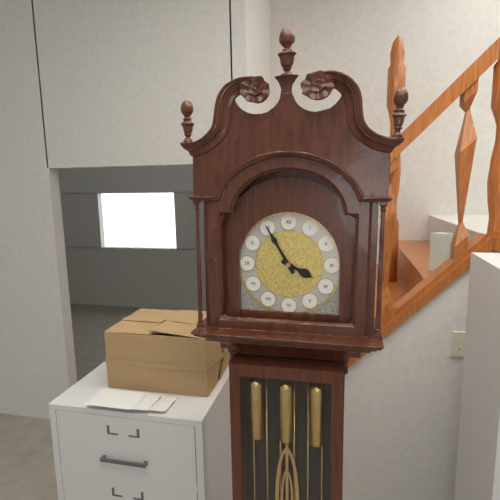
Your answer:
**3:55**
